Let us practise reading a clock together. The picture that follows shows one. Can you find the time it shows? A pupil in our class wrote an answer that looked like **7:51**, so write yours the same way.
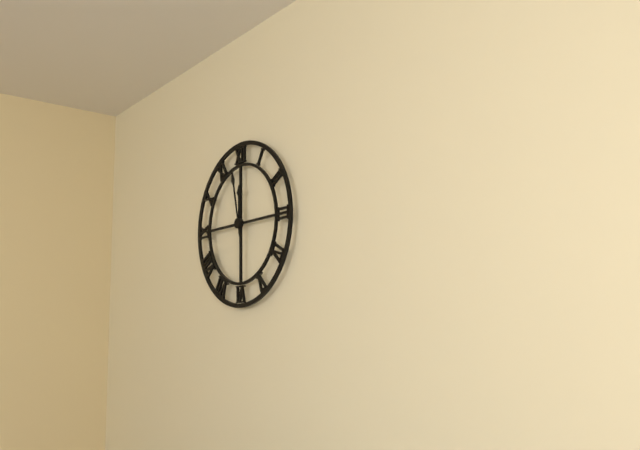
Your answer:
**11:58**
